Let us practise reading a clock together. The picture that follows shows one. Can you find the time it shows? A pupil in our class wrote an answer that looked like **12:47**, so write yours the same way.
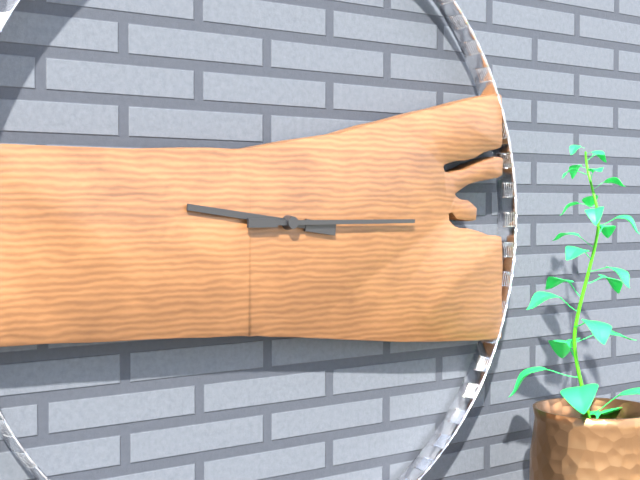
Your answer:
**9:15**
